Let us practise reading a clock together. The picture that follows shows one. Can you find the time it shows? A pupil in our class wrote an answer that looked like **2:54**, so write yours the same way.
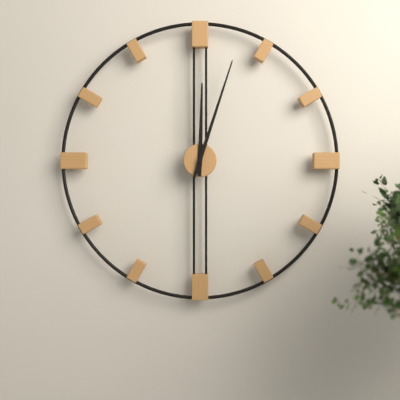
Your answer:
**12:03**
